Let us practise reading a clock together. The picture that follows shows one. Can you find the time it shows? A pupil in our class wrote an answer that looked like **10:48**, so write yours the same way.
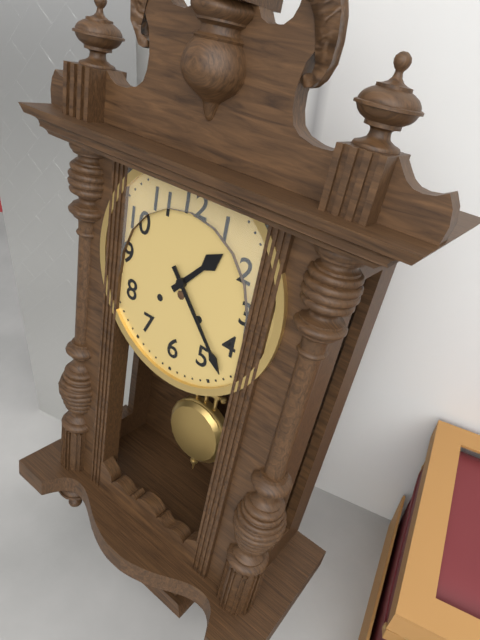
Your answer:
**1:23**
